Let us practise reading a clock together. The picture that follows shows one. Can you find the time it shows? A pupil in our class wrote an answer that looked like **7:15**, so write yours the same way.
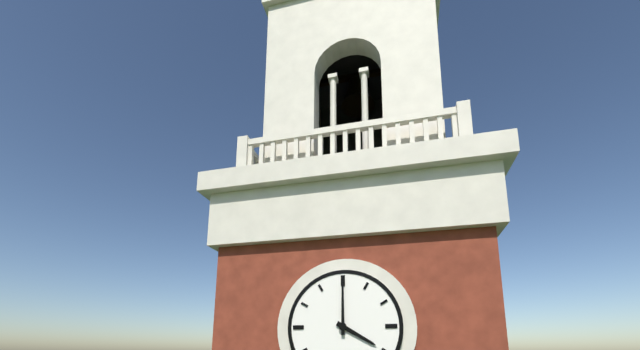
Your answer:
**4:00**
